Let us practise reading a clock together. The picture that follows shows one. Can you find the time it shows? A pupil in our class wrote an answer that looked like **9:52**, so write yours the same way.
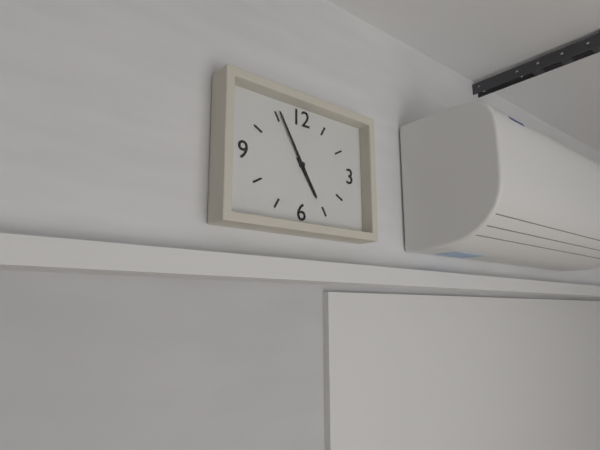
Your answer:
**4:55**
